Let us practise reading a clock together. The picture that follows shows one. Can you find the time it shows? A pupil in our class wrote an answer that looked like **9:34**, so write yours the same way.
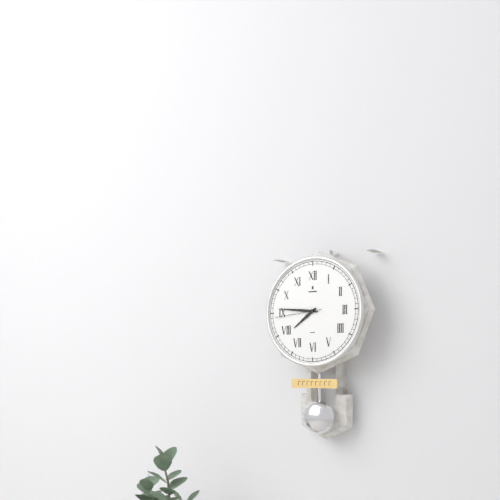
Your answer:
**7:46**
